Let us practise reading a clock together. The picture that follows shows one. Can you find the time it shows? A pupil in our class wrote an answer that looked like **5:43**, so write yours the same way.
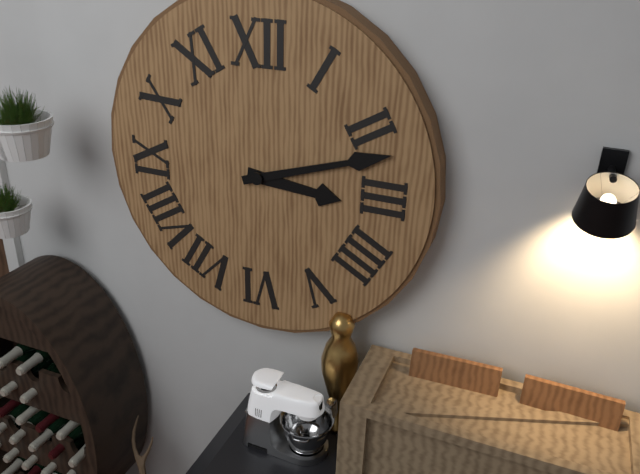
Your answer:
**3:12**
